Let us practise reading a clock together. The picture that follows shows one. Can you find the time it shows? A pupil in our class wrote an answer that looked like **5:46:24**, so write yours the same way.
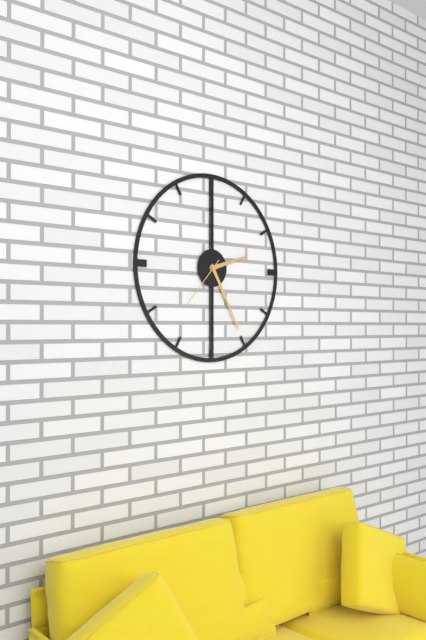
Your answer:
**2:25:37**
